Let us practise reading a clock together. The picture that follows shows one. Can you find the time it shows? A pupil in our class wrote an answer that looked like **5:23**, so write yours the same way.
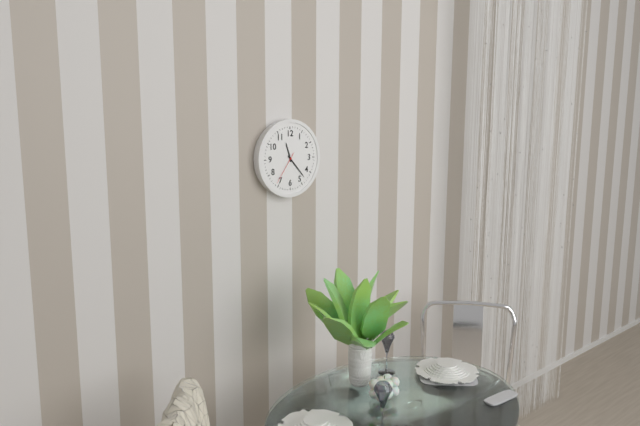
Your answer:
**11:23**
